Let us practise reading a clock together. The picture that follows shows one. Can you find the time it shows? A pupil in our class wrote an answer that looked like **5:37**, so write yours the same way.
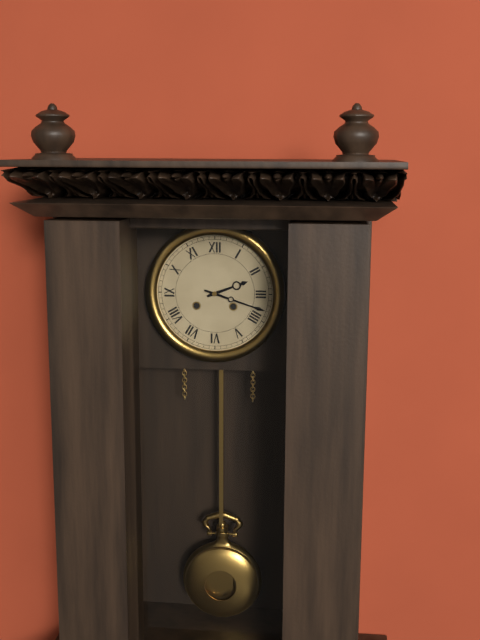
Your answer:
**2:18**
